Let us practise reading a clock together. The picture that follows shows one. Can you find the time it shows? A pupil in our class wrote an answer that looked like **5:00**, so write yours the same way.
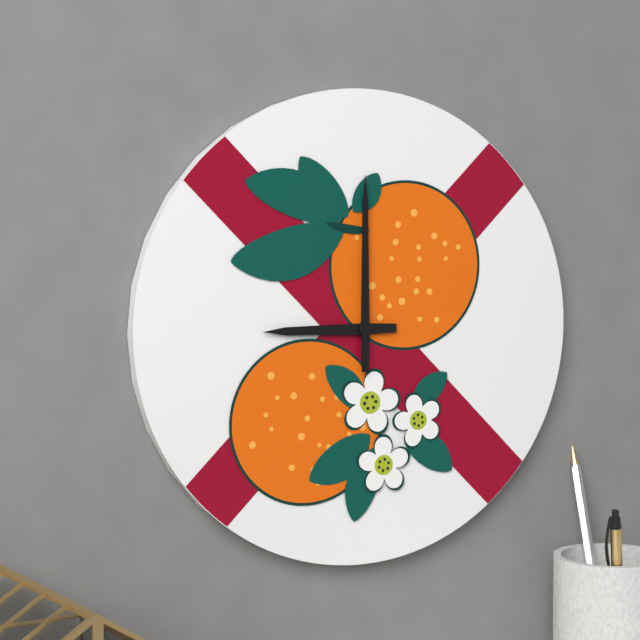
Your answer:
**9:00**
